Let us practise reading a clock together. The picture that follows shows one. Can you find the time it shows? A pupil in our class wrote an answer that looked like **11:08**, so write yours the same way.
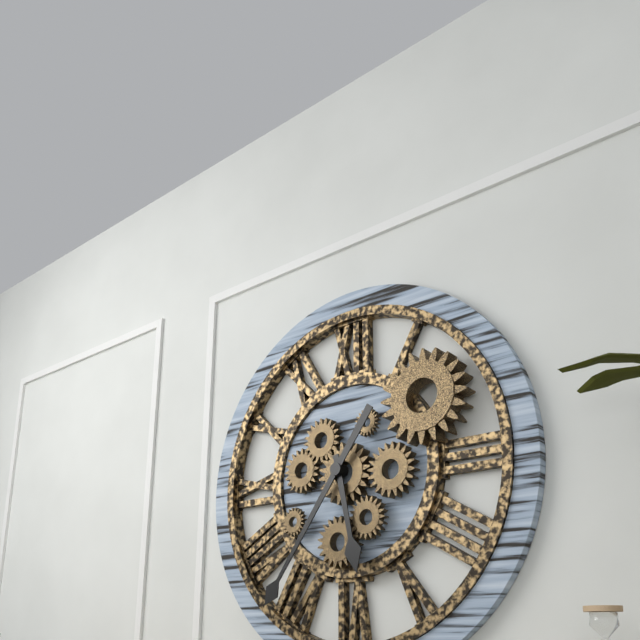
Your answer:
**5:36**
